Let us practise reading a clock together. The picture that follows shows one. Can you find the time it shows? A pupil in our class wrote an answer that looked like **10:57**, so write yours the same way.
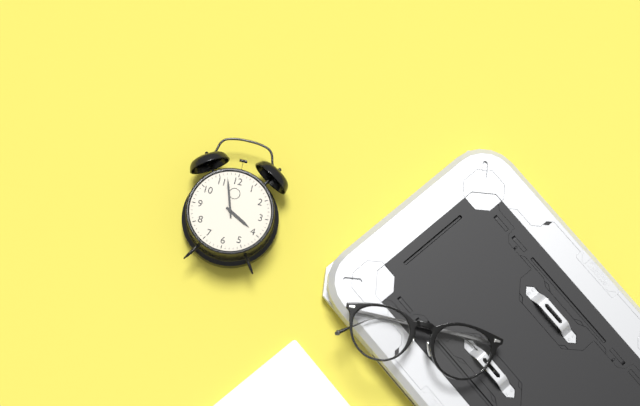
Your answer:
**3:57**
